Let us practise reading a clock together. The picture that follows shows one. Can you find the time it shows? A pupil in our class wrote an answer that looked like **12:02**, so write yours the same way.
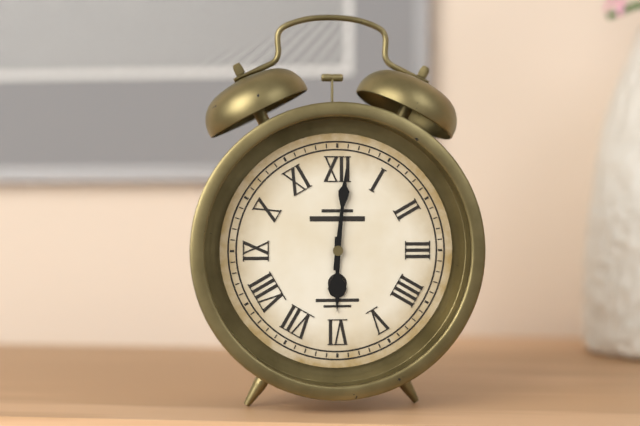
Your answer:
**6:01**
